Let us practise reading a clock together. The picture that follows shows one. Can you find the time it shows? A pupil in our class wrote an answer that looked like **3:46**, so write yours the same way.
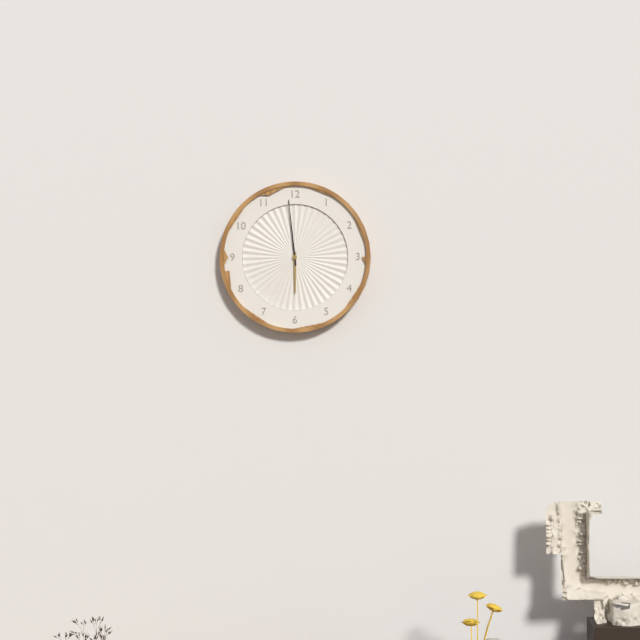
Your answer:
**5:59**
